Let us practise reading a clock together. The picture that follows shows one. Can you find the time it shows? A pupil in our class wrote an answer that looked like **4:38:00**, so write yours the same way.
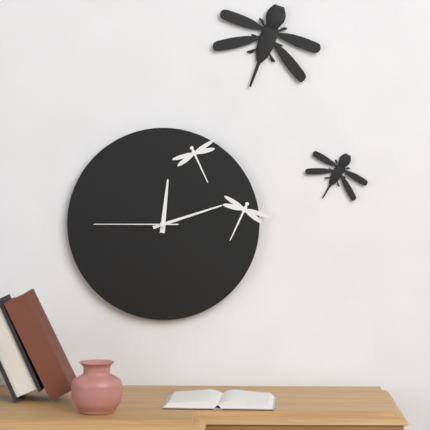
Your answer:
**12:12:45**
